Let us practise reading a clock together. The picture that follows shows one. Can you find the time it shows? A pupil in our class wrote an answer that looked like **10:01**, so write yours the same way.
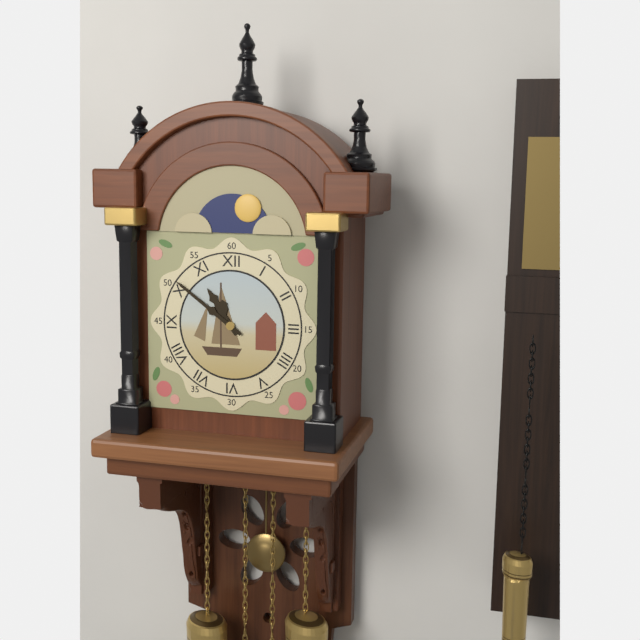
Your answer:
**10:51**
